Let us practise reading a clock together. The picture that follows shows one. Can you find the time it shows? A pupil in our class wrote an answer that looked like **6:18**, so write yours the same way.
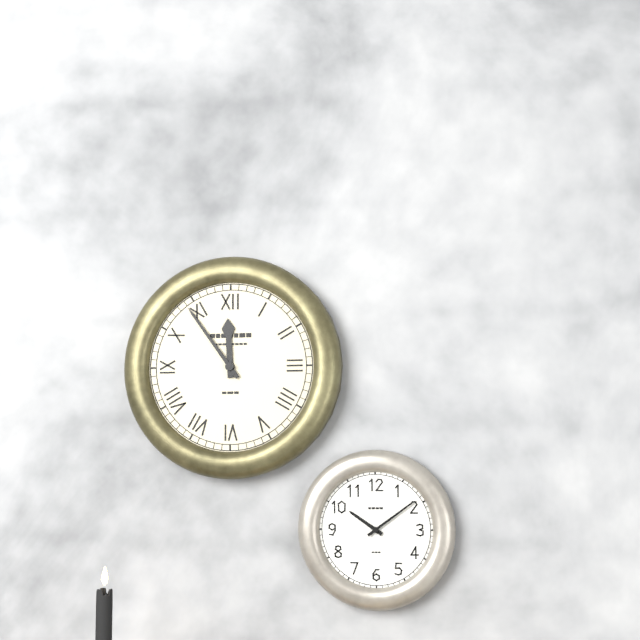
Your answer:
**11:54**
